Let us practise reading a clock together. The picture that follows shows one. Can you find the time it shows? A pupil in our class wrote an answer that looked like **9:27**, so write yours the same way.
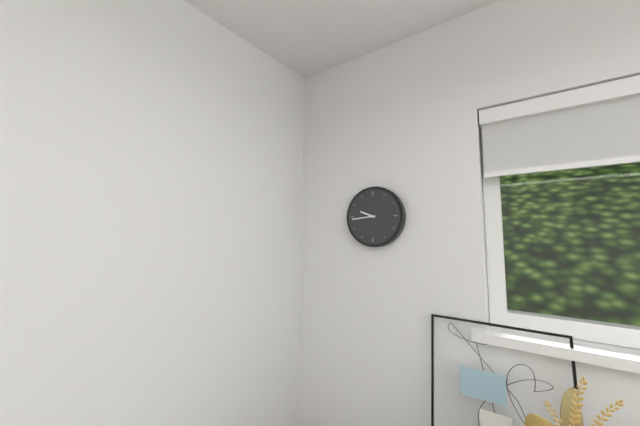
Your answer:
**9:44**
